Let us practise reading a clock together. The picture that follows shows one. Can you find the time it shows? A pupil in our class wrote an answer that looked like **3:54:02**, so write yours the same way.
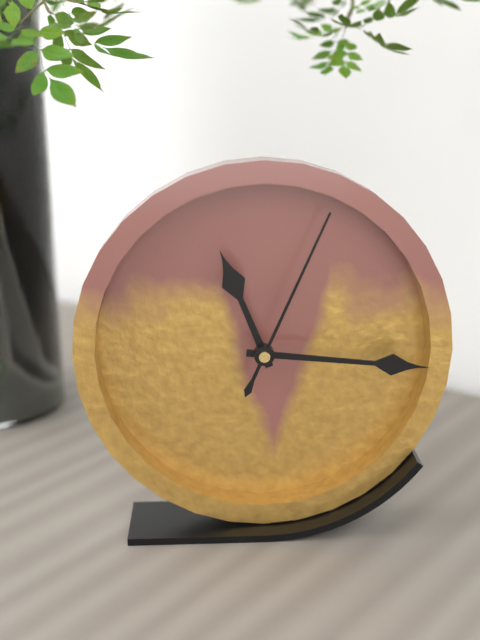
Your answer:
**11:16:04**
